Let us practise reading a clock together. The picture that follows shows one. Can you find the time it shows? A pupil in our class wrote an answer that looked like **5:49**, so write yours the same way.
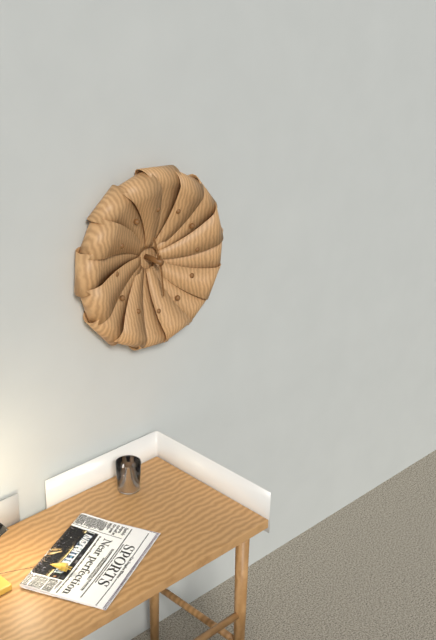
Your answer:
**11:29**
